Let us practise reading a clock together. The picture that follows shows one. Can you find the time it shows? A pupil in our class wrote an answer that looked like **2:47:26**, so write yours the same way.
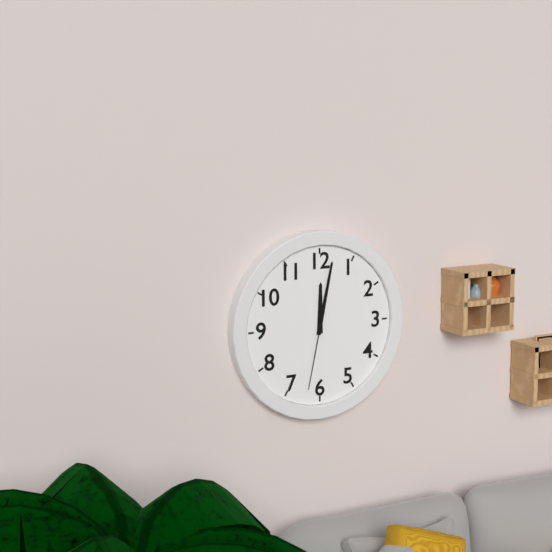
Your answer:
**12:02:32**
